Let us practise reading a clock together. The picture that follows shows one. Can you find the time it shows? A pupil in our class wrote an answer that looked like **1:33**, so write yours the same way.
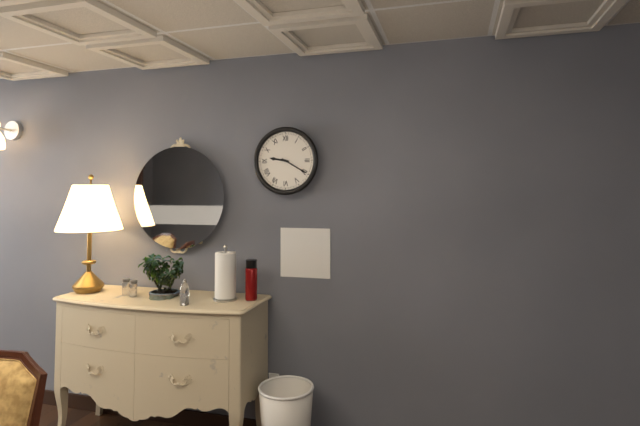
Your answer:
**9:20**
